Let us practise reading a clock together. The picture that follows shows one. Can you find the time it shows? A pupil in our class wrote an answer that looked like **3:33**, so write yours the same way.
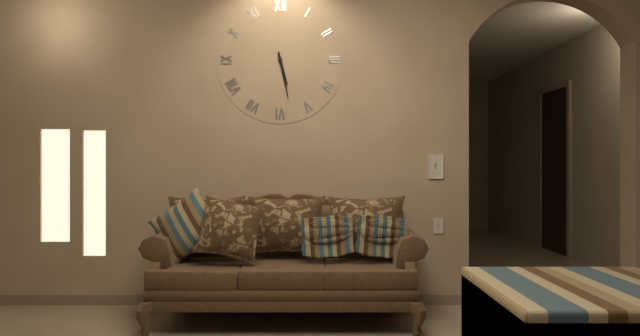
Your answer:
**5:28**
